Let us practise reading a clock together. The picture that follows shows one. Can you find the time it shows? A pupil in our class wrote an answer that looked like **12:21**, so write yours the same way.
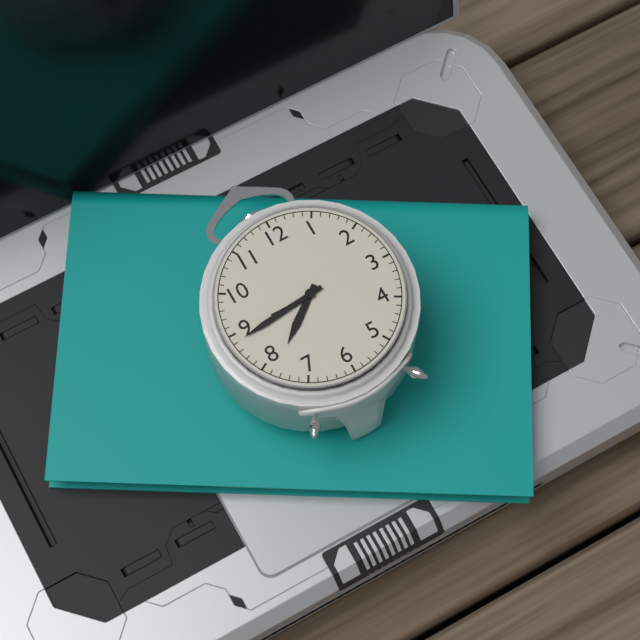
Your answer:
**7:44**
